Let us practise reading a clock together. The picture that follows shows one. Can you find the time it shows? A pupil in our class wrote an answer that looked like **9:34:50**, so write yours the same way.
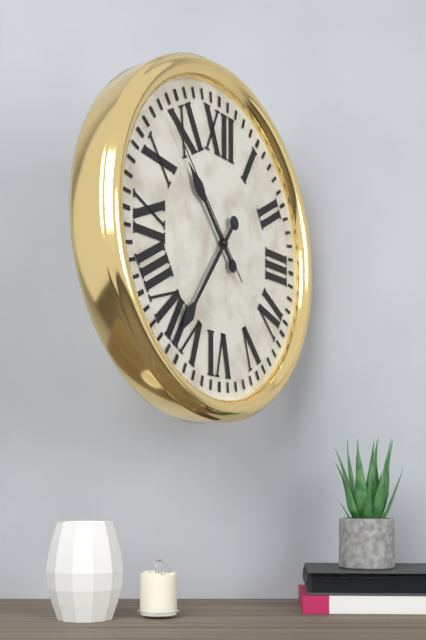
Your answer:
**10:36:53**
